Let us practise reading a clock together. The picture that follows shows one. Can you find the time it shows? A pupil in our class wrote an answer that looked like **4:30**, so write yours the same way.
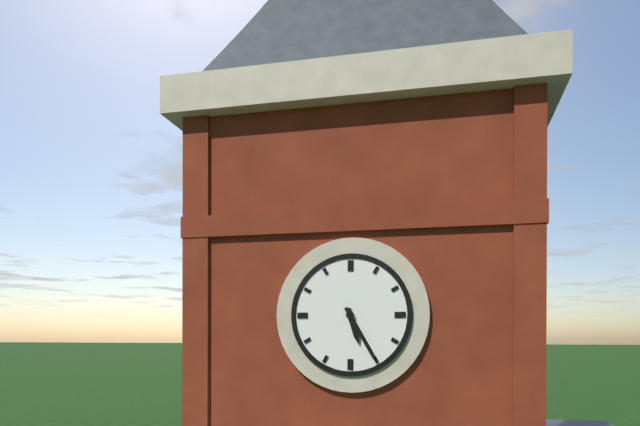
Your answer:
**5:25**
